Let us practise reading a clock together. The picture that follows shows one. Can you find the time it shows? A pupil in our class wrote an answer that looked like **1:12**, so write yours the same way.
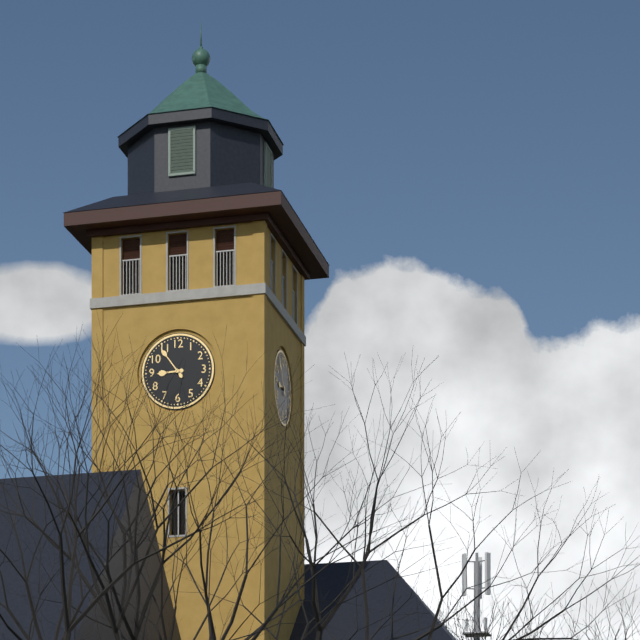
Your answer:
**8:54**
